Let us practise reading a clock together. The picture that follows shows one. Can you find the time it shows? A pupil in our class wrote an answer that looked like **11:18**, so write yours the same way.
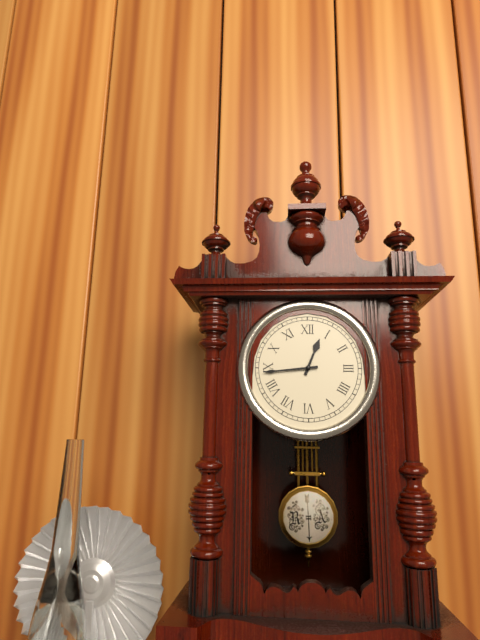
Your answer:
**12:44**
